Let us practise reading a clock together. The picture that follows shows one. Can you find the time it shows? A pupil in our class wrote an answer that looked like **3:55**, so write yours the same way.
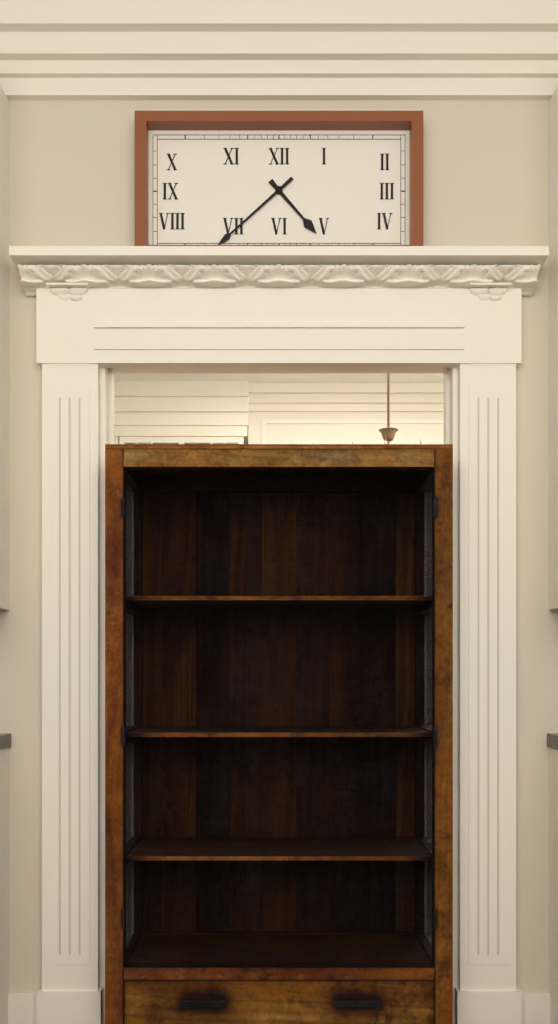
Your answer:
**4:38**
